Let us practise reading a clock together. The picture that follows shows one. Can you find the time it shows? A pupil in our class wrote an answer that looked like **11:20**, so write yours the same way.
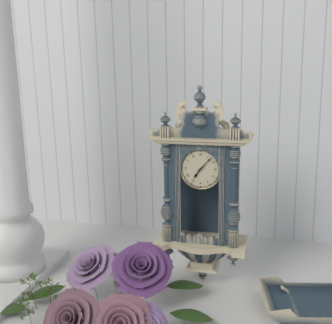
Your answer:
**7:07**
